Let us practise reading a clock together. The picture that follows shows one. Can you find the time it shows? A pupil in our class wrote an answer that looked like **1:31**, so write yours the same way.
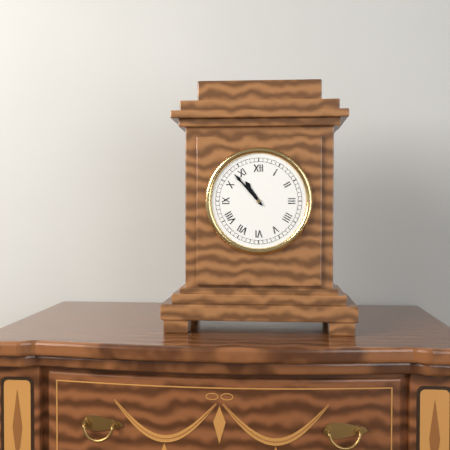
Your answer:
**10:53**
